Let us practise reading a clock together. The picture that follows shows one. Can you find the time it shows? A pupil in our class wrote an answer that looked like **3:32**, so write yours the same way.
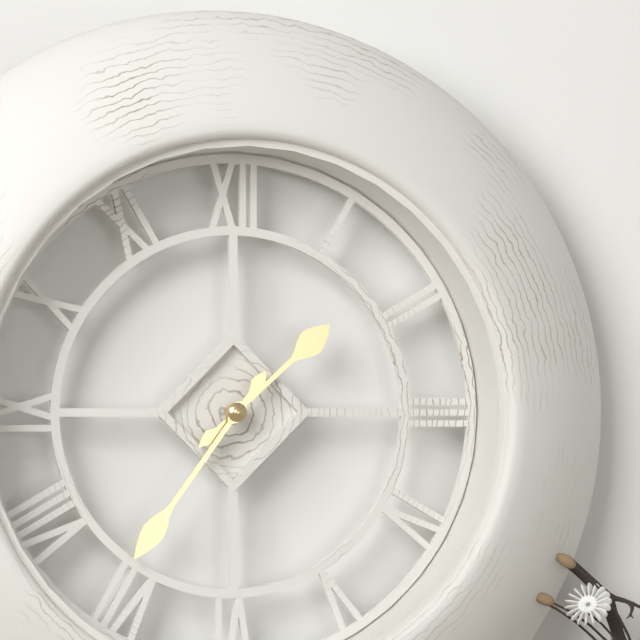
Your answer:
**1:36**
